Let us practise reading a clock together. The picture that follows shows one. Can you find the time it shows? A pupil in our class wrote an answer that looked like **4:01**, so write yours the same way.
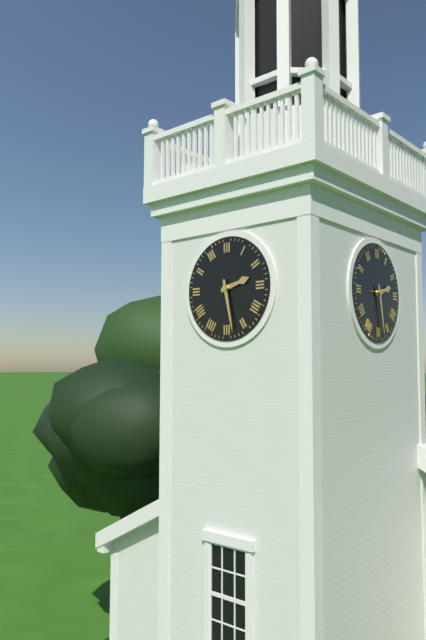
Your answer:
**2:28**
